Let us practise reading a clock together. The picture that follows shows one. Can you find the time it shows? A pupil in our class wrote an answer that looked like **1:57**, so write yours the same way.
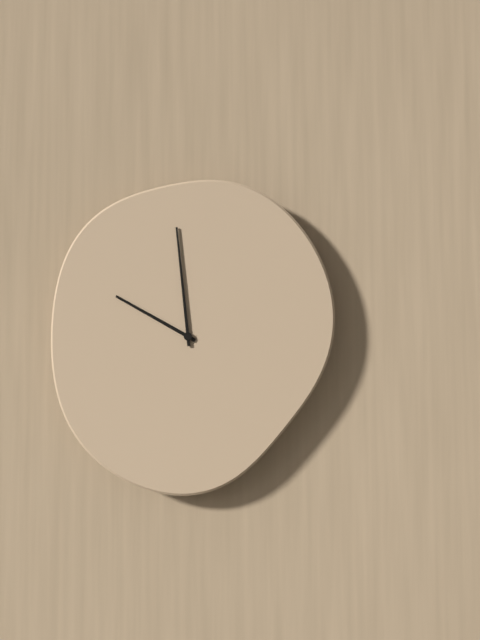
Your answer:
**9:59**
